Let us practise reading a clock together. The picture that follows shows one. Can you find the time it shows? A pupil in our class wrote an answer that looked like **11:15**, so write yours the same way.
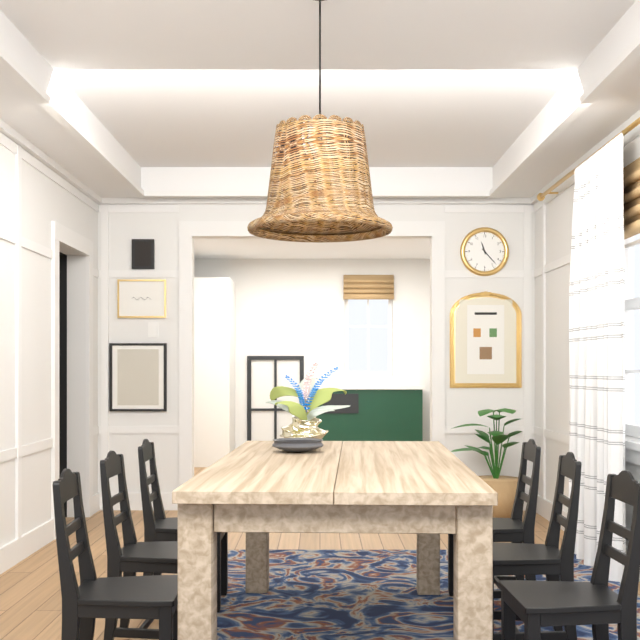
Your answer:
**11:23**
